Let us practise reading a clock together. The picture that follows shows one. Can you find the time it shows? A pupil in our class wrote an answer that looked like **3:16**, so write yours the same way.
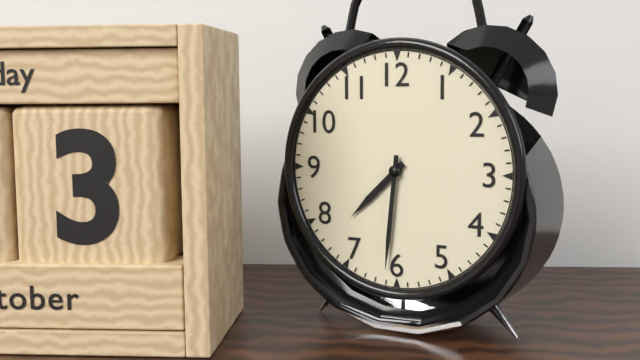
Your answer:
**7:31**
